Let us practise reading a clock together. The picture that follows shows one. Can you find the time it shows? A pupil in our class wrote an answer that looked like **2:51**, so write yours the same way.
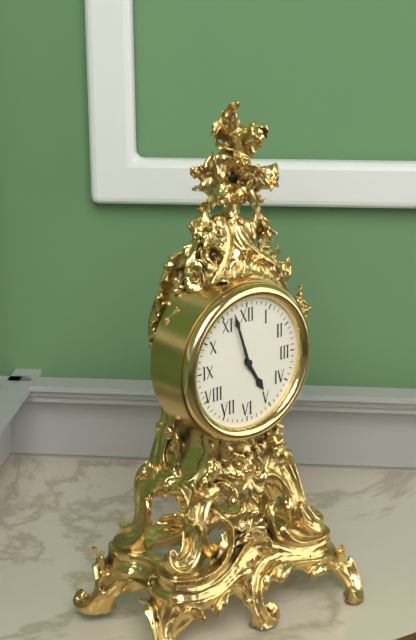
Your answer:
**4:57**
